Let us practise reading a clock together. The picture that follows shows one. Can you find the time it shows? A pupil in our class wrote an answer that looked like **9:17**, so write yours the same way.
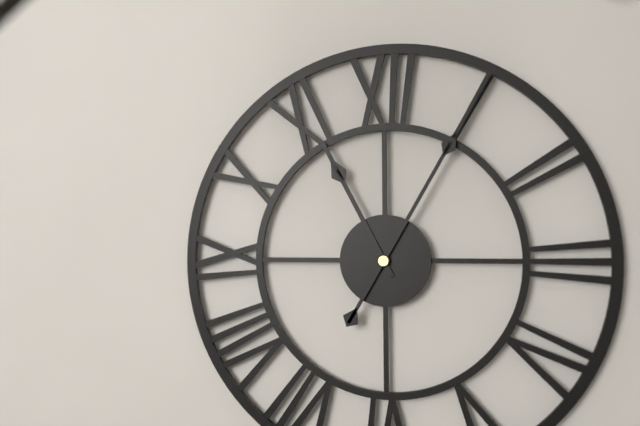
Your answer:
**11:05**
